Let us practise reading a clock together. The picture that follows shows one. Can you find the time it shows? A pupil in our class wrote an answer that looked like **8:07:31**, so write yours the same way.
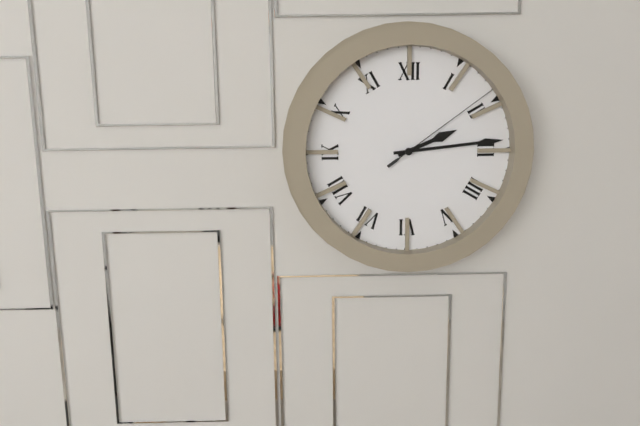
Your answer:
**2:14:09**
